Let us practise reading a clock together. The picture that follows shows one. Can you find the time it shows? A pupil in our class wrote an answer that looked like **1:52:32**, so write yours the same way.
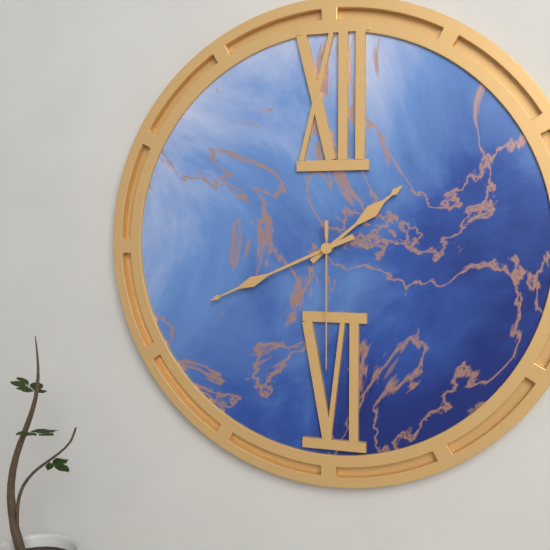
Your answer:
**1:41:30**
